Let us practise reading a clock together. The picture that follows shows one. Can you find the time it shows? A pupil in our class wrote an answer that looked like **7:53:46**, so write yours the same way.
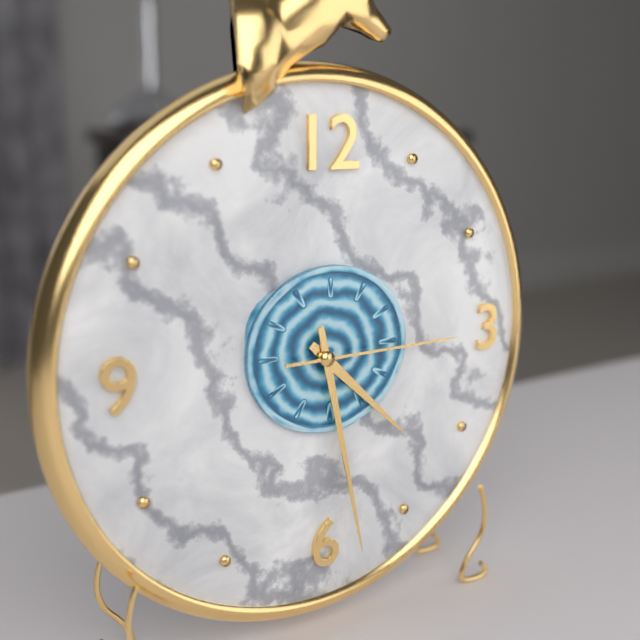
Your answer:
**4:28:15**
